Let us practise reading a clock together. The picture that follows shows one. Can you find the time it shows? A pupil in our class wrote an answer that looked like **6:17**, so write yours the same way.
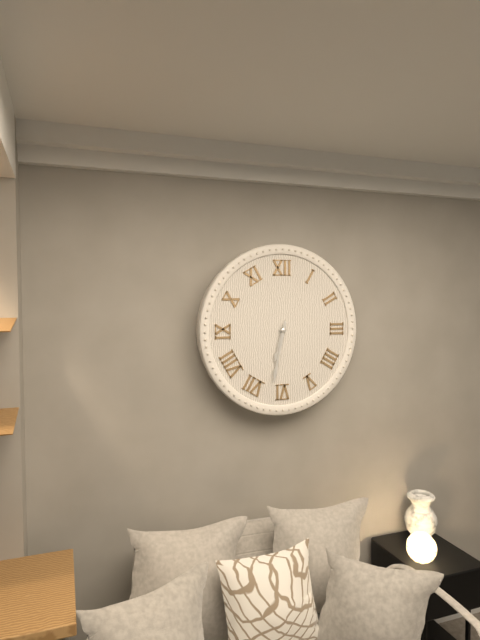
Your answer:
**6:32**
